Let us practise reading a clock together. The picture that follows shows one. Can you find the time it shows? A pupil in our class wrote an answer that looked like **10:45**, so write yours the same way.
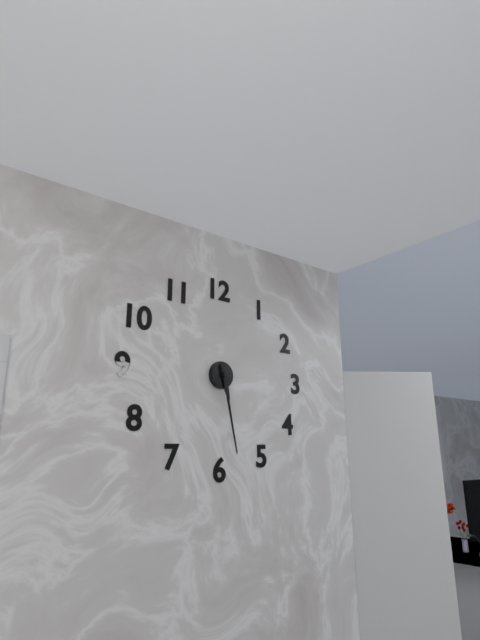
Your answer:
**5:28**
